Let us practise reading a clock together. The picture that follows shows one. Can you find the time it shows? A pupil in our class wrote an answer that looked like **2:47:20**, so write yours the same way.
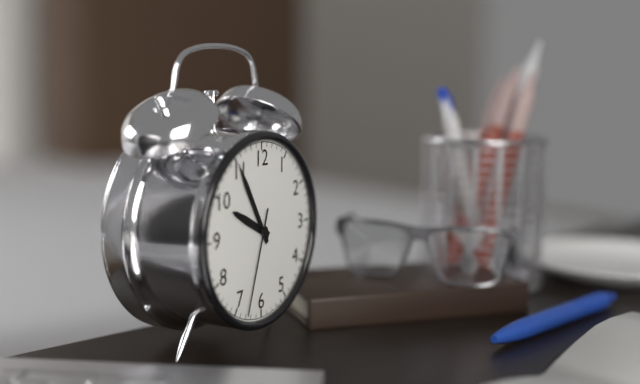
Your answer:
**9:55:33**
